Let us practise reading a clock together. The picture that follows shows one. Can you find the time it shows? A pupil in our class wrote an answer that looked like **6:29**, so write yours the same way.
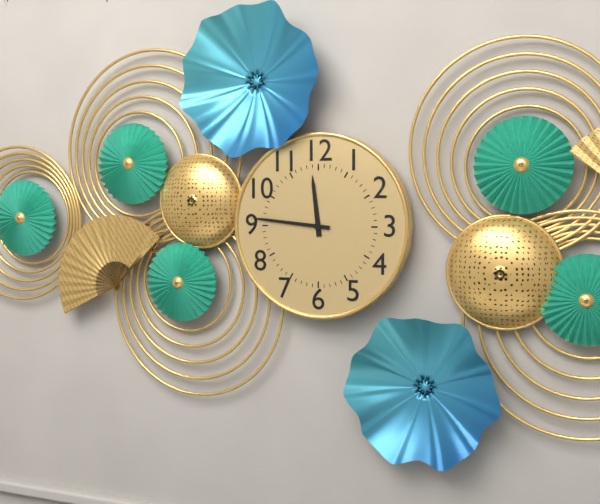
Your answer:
**11:46**
